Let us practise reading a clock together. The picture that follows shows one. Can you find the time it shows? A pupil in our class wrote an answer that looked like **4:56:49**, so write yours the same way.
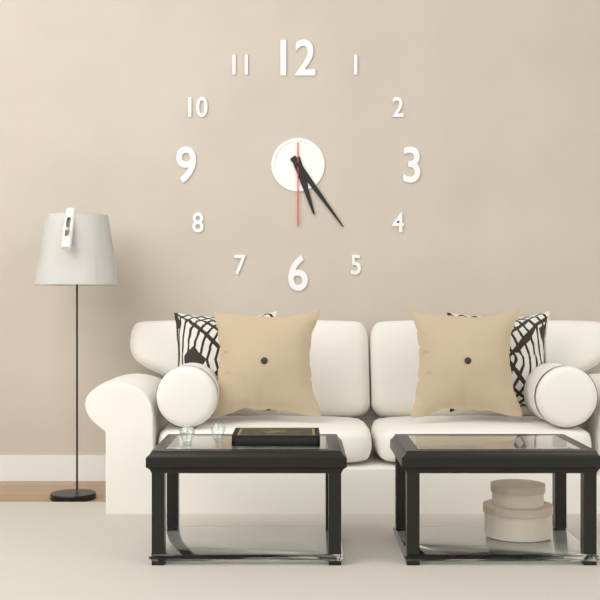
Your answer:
**5:24:30**
